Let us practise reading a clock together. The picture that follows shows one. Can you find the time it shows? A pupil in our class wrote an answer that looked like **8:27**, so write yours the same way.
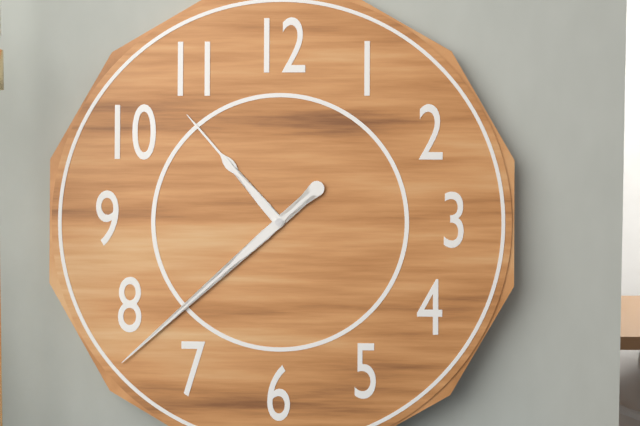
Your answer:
**10:38**
